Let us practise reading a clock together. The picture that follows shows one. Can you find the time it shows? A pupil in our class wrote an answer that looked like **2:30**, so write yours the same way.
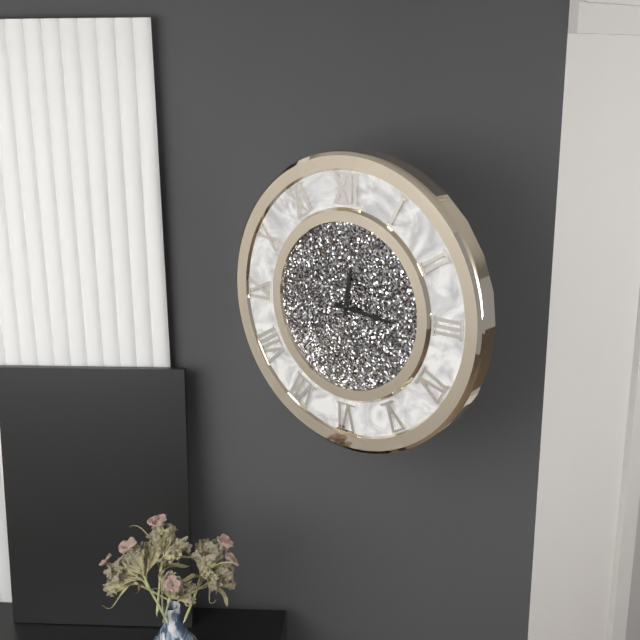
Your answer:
**12:16**
